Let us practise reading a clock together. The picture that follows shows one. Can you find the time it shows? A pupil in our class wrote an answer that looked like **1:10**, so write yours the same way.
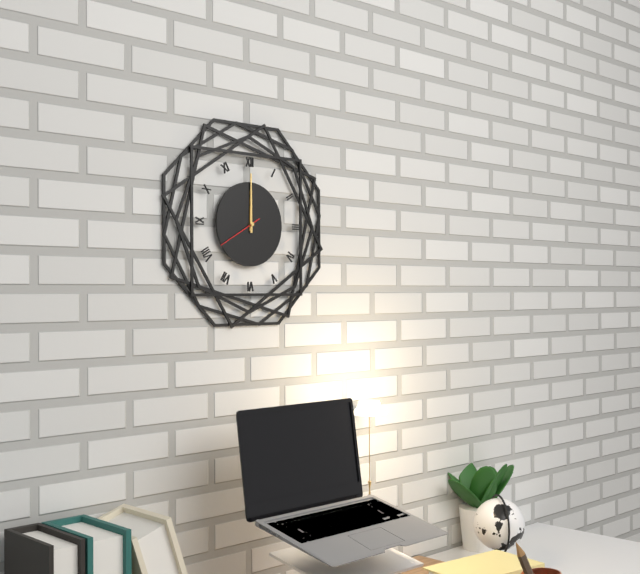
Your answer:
**12:00**
